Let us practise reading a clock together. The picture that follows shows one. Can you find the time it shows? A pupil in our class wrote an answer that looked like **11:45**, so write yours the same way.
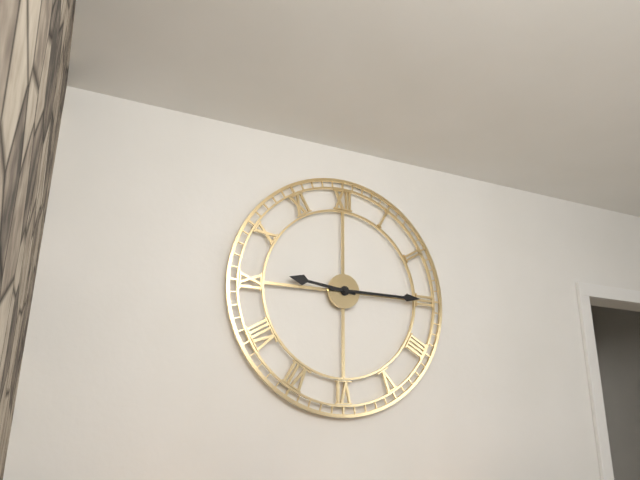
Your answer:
**9:15**
